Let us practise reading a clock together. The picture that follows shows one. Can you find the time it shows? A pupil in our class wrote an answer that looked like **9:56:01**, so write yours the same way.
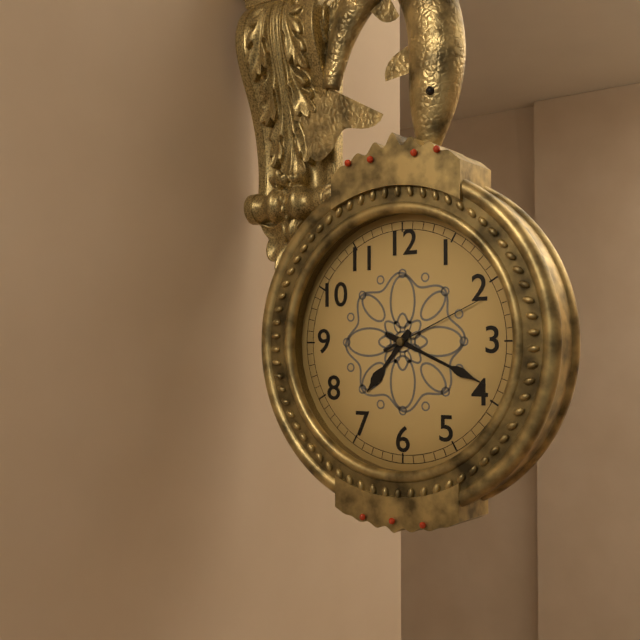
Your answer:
**7:19:11**
